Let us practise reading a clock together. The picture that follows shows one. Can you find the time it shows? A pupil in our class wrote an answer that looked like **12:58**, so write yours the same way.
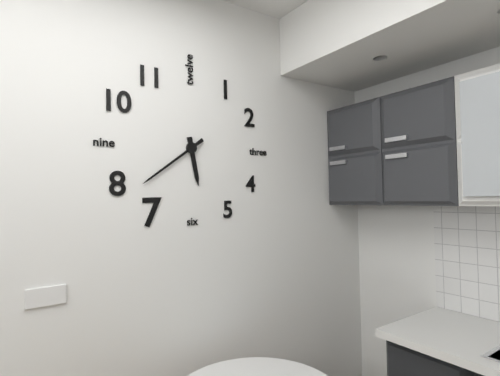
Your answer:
**5:39**
